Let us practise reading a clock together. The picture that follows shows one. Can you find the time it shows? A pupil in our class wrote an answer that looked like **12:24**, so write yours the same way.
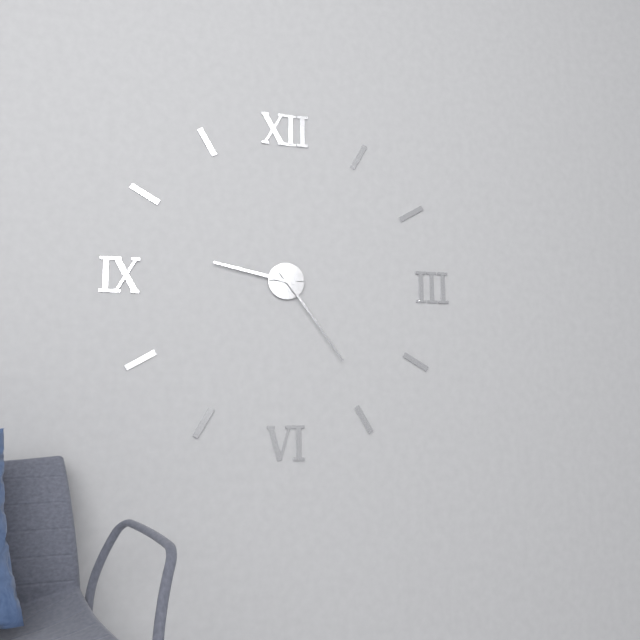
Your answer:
**9:24**
